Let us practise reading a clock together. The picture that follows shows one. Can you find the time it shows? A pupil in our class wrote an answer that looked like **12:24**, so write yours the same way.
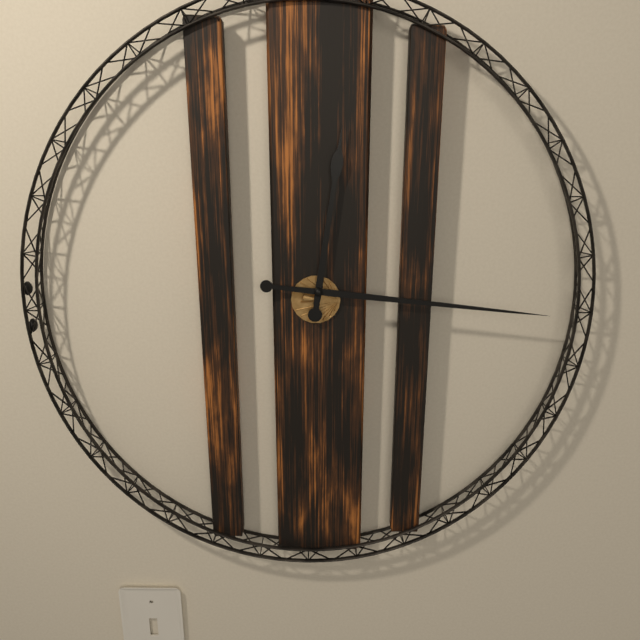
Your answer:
**12:16**
